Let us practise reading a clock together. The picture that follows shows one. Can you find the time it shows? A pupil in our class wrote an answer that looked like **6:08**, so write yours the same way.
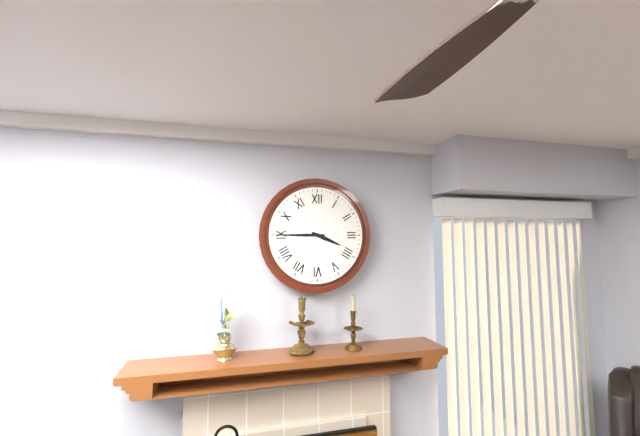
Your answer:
**3:45**
